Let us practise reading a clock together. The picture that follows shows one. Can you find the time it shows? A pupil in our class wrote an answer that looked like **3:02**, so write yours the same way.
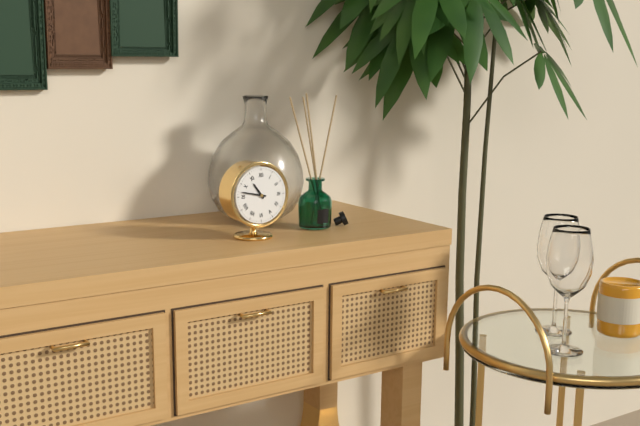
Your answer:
**10:47**
